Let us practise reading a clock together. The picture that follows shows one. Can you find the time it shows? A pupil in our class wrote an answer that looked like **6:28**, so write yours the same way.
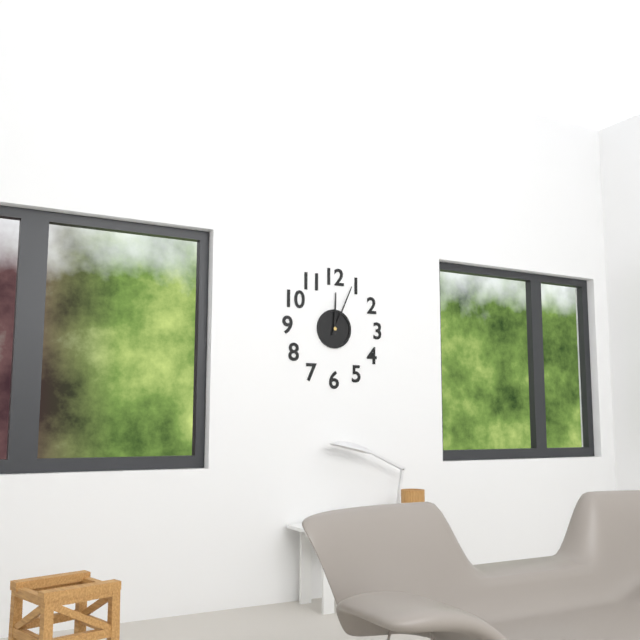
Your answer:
**12:04**
